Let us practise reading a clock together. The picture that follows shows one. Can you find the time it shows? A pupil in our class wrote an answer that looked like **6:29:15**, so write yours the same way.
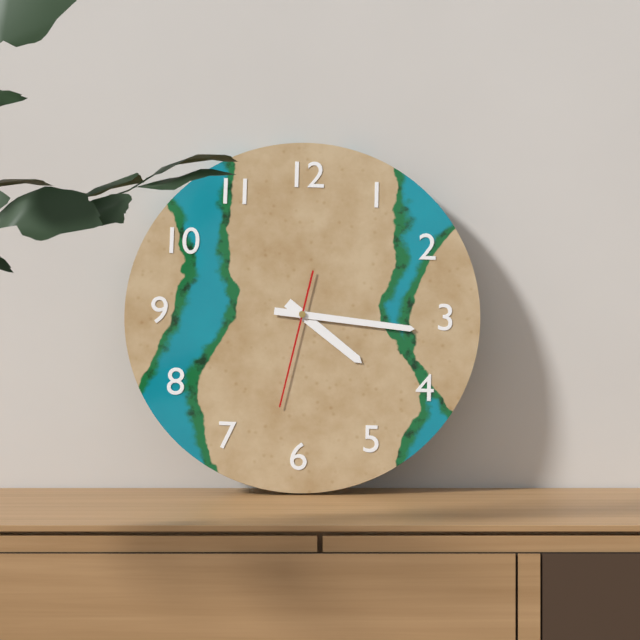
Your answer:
**4:16:32**
